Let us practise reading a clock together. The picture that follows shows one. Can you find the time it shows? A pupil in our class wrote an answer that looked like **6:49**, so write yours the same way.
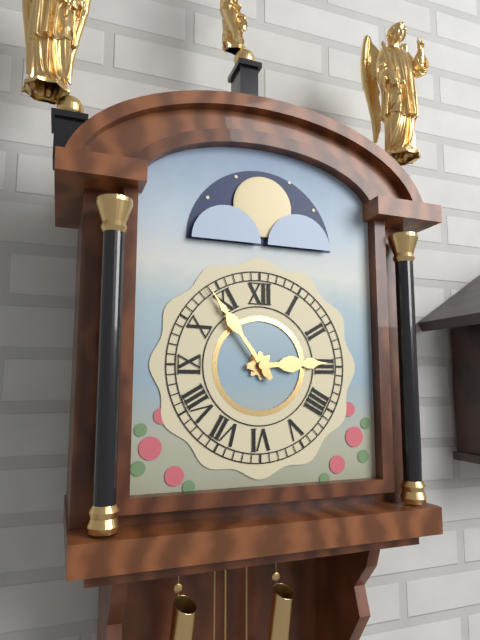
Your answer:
**2:54**
